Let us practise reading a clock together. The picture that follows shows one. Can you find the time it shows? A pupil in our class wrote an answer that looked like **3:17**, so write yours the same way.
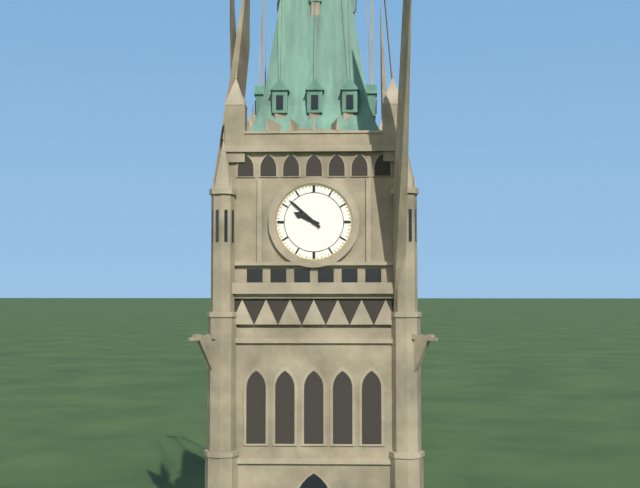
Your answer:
**9:52**
